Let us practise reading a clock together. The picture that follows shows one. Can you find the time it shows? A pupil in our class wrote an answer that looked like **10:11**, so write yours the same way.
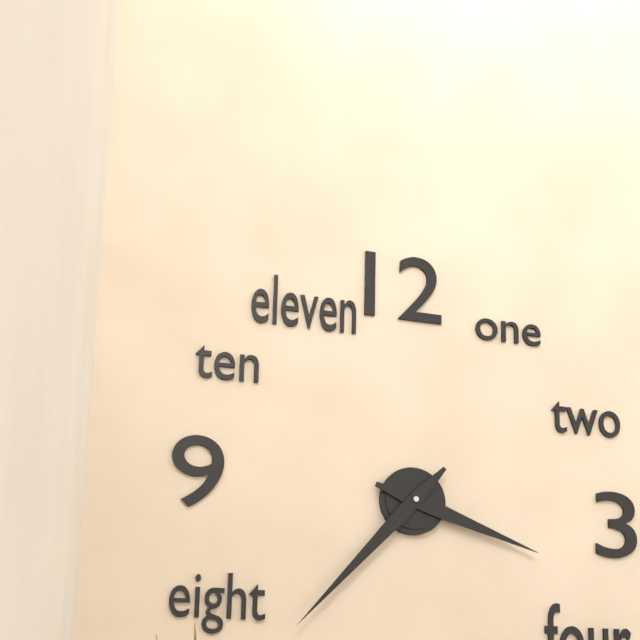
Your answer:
**3:37**
